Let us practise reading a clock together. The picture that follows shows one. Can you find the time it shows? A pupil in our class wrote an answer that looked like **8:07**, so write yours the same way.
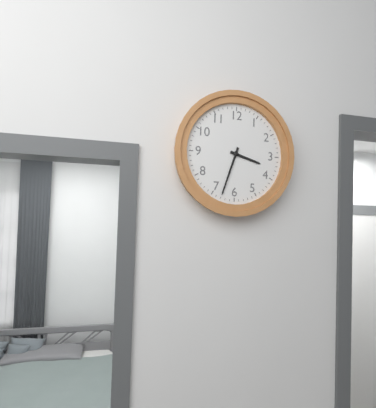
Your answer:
**3:33**
